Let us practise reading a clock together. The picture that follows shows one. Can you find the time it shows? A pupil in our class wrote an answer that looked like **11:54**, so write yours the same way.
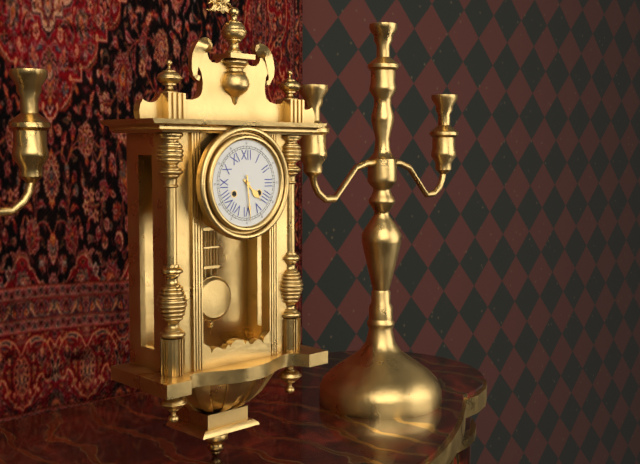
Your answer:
**4:29**
